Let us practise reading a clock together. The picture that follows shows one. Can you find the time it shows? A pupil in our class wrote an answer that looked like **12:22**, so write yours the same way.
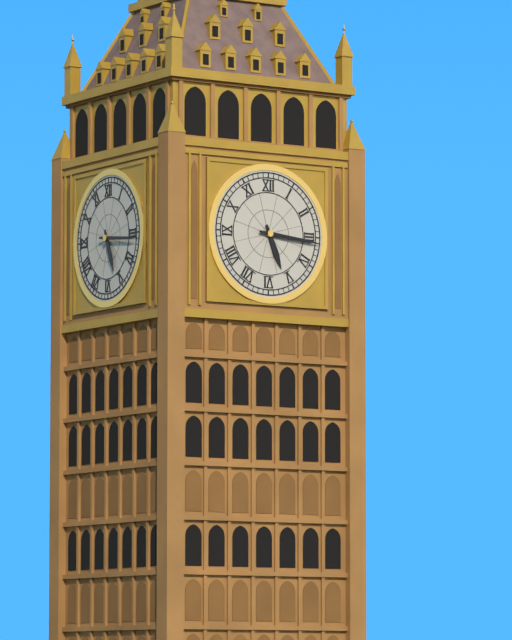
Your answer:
**5:16**
